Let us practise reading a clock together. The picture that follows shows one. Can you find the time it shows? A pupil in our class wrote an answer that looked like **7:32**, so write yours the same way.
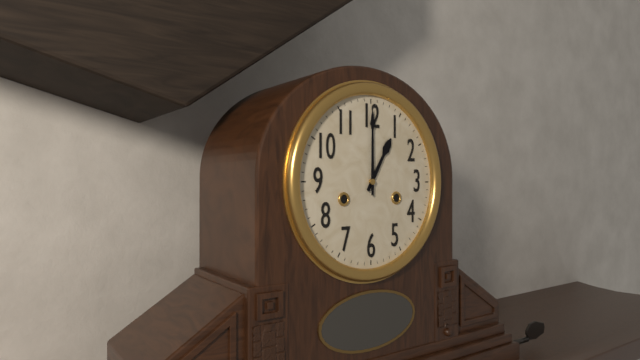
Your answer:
**1:00**
